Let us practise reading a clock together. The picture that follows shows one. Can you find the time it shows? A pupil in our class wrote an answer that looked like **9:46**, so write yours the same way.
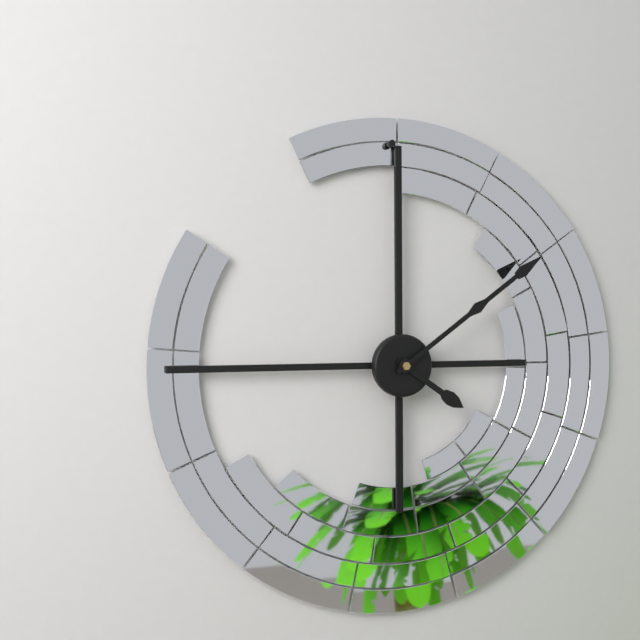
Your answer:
**4:09**
